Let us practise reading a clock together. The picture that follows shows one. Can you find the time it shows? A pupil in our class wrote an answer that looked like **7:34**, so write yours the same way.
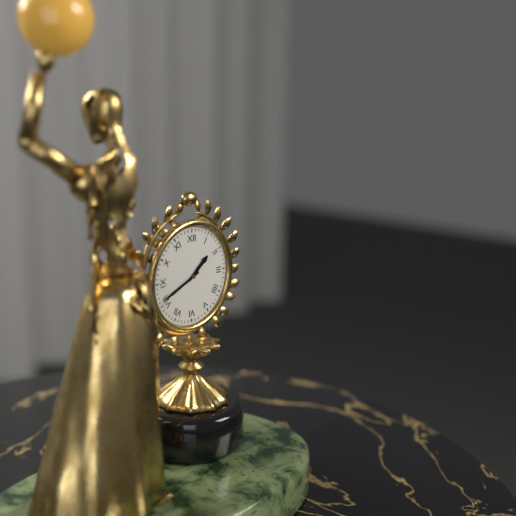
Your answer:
**1:41**
